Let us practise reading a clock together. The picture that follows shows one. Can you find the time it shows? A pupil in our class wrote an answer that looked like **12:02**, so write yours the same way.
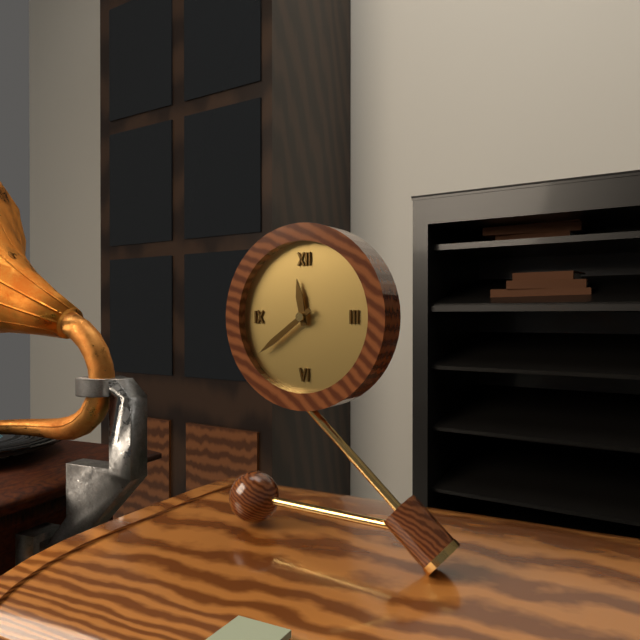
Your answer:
**11:39**
